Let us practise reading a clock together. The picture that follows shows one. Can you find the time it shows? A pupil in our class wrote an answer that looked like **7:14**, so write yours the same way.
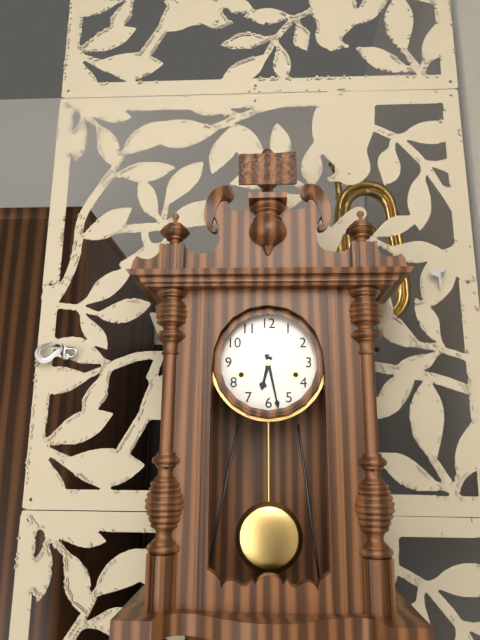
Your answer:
**6:28**
